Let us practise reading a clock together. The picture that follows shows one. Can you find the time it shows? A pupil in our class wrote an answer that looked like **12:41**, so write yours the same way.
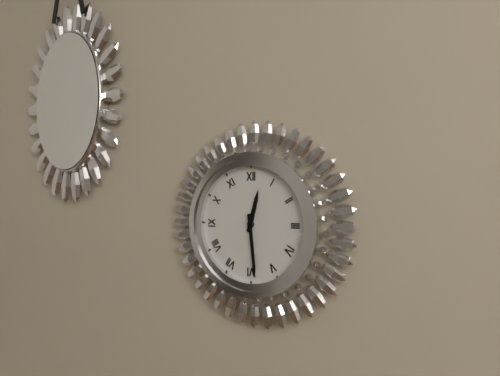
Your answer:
**12:29**
